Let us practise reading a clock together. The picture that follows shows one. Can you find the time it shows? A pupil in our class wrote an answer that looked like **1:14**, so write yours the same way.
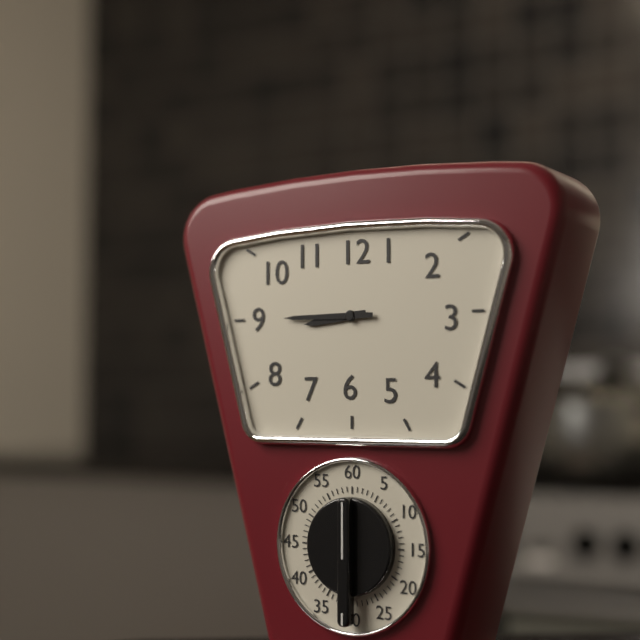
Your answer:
**8:45**
